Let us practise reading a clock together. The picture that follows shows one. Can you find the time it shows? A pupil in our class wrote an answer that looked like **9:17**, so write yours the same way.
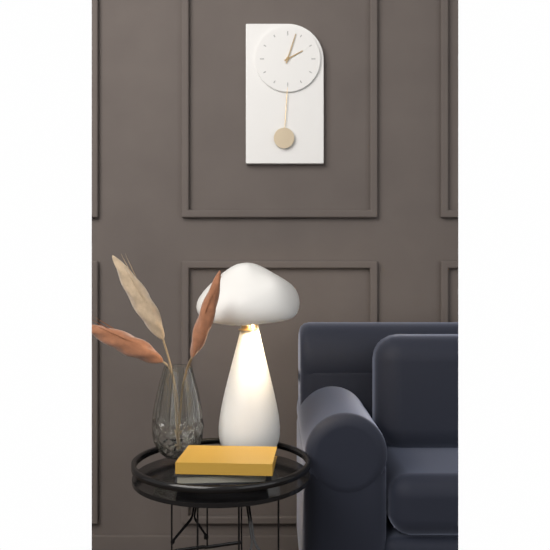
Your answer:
**2:03**
